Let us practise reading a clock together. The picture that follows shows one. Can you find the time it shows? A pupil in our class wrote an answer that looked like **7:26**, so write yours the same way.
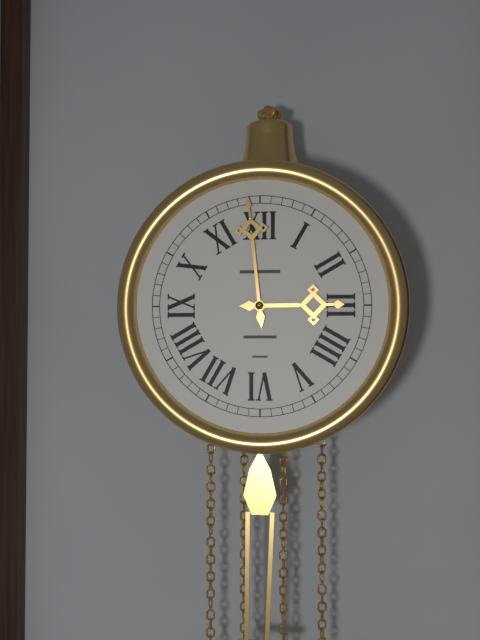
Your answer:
**2:59**
